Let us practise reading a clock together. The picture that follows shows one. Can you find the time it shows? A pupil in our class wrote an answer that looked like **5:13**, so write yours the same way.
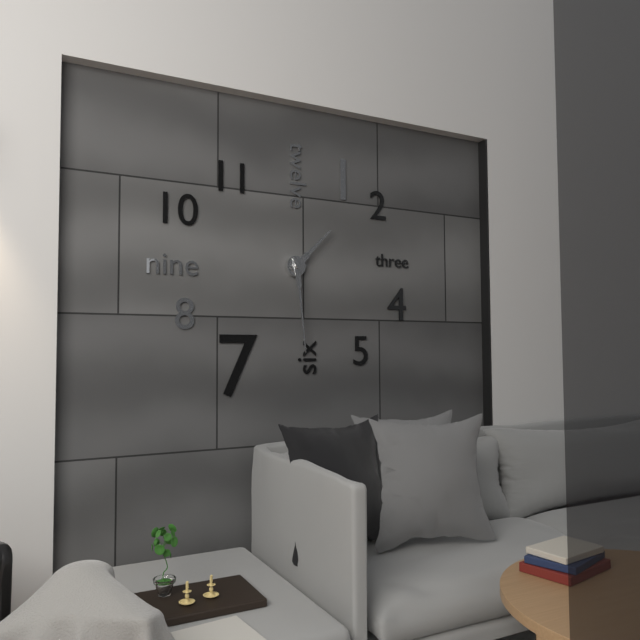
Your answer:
**1:29**
